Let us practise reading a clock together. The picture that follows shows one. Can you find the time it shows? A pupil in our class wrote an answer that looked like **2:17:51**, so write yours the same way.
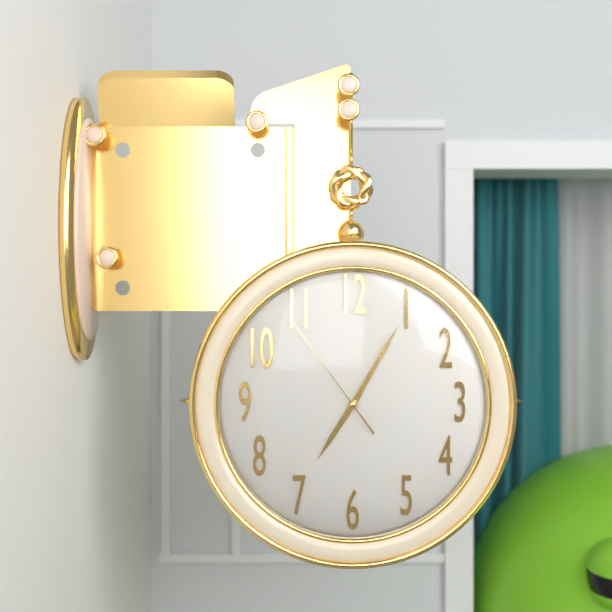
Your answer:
**7:05:54**
